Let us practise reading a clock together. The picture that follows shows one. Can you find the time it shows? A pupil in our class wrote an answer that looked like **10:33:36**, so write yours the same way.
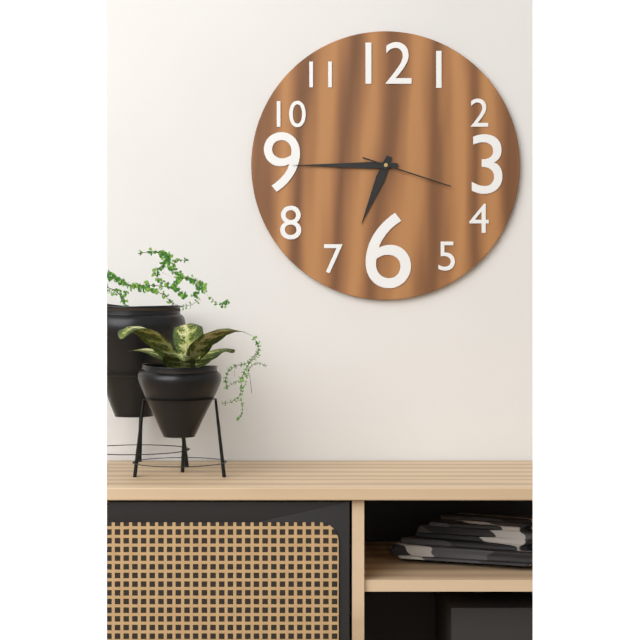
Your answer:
**6:45:18**
